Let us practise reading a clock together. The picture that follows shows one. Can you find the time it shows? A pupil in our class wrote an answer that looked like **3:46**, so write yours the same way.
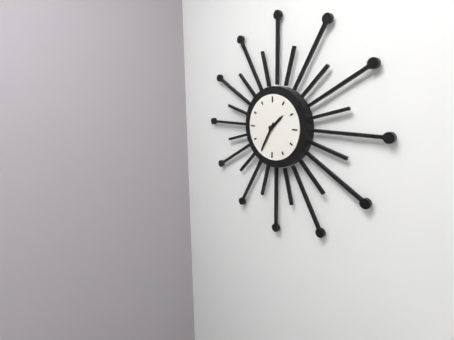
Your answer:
**1:35**
